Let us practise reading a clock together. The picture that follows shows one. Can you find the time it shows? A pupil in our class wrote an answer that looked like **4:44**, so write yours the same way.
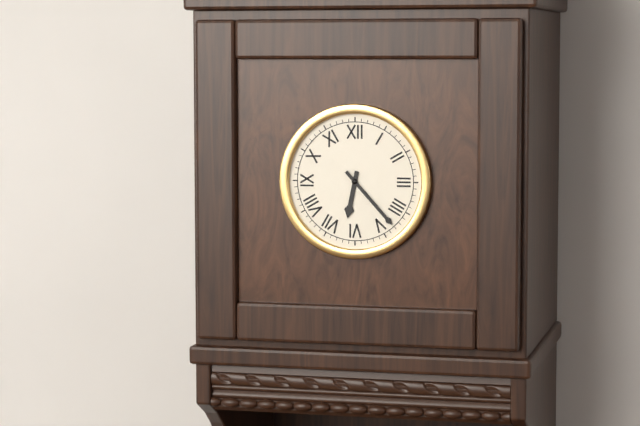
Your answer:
**6:23**
